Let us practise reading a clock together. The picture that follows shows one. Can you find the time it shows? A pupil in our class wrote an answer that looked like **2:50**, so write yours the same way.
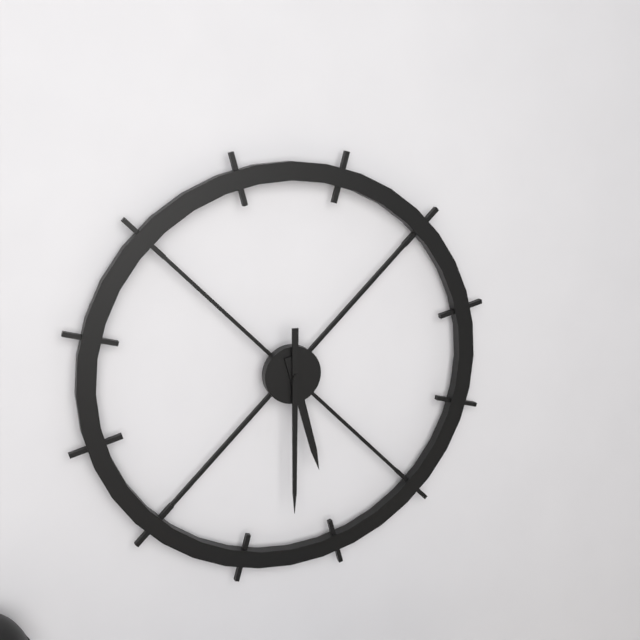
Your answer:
**5:30**
